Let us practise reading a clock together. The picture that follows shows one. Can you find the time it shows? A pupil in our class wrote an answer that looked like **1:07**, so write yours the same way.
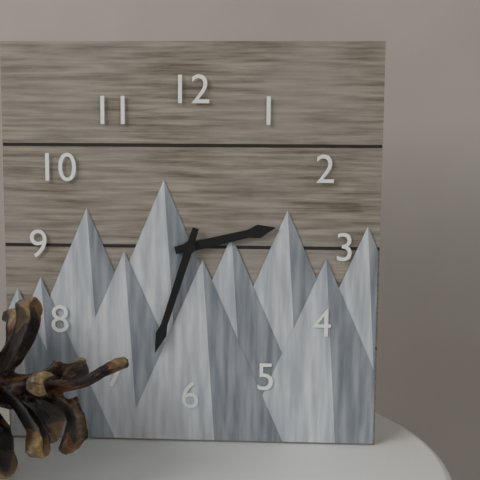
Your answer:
**2:33**
